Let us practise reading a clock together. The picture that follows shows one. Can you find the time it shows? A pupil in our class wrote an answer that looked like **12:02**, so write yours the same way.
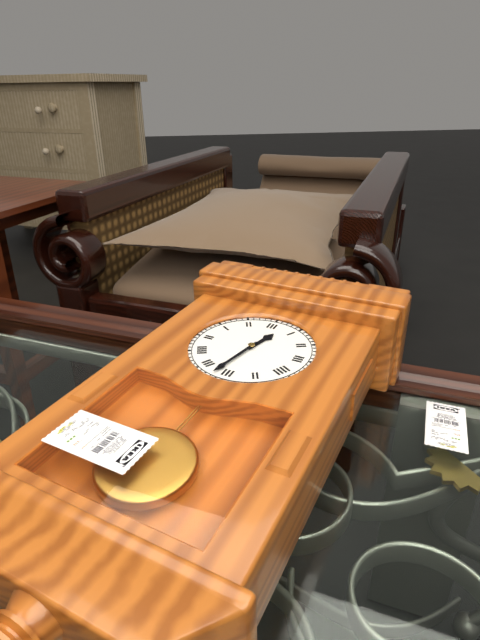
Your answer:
**12:32**
